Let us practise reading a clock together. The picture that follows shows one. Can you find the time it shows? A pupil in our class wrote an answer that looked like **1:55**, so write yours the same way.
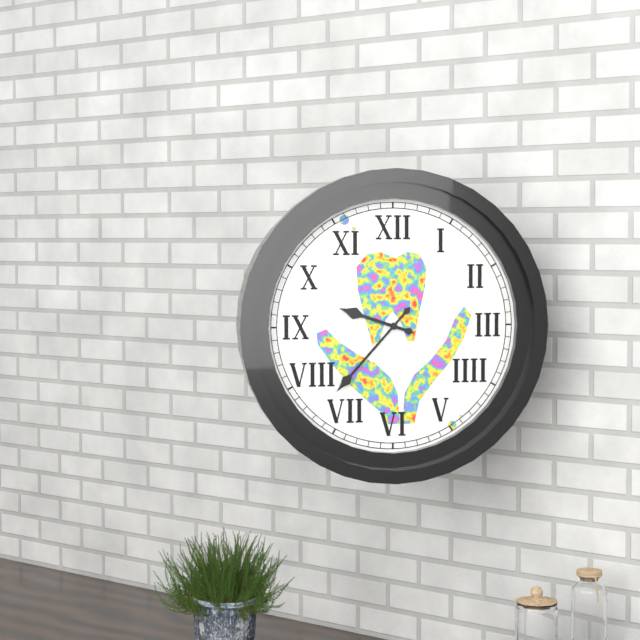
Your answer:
**9:37**
